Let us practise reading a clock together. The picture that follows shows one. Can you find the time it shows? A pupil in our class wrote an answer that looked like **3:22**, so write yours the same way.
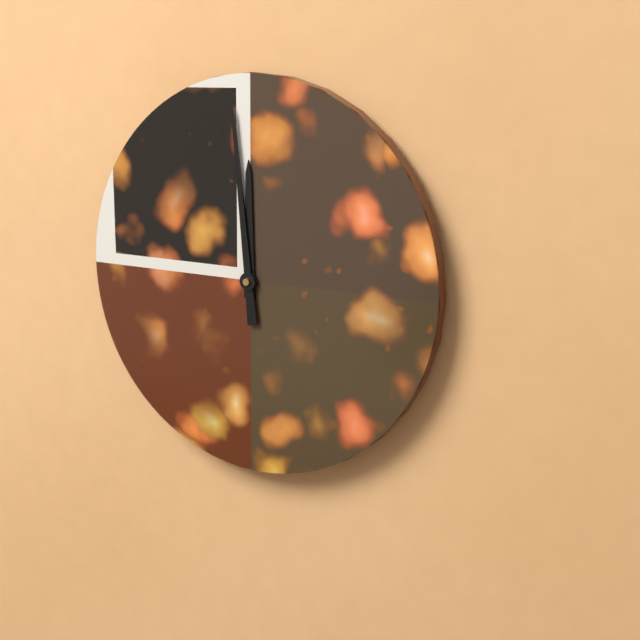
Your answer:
**11:59**
